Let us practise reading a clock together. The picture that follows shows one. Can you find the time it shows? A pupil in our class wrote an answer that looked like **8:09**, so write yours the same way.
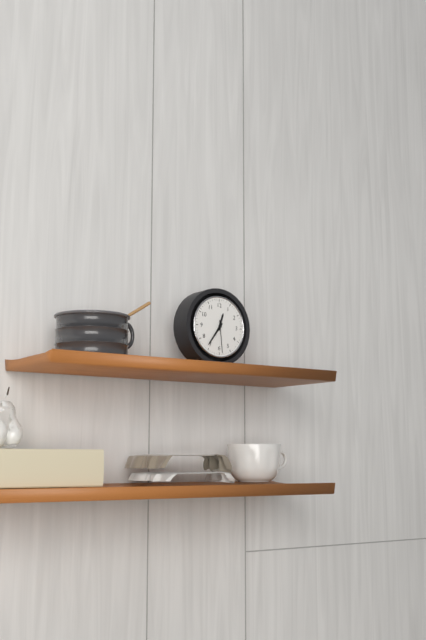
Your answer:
**12:36**
